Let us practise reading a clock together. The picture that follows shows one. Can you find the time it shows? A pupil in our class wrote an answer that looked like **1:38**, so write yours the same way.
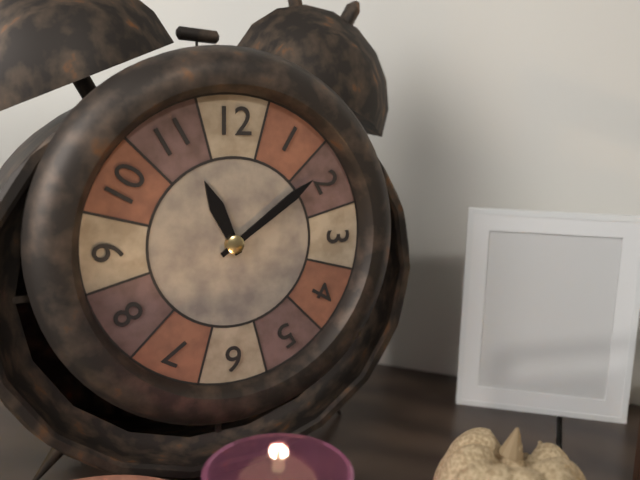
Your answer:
**11:09**
